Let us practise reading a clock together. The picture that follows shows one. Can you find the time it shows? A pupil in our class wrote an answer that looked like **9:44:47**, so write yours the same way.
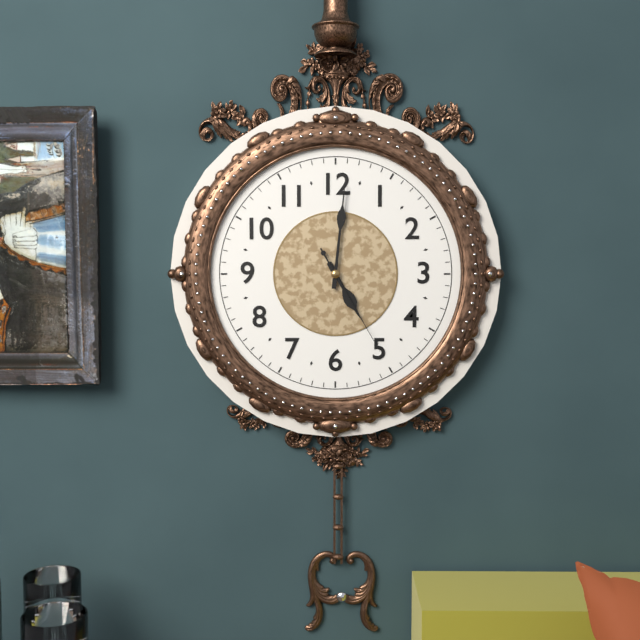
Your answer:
**5:01:25**
